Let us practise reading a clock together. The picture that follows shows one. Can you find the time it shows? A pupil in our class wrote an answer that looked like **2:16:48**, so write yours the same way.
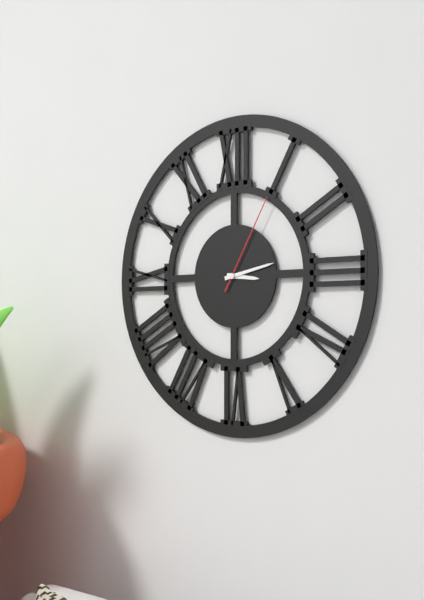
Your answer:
**3:13:05**
